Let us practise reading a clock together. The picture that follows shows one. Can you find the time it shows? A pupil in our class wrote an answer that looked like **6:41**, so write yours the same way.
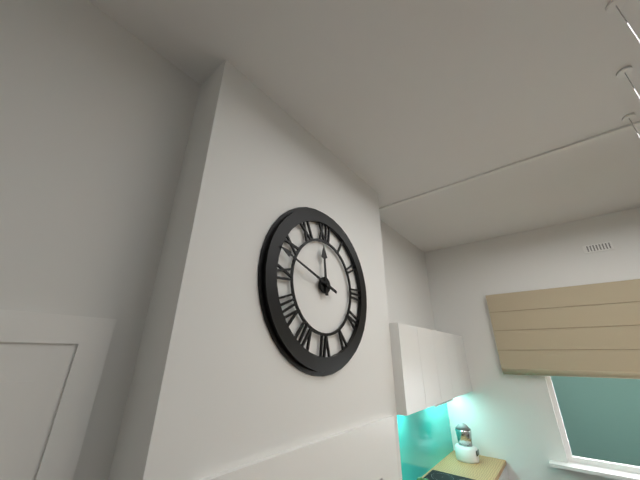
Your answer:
**11:48**
